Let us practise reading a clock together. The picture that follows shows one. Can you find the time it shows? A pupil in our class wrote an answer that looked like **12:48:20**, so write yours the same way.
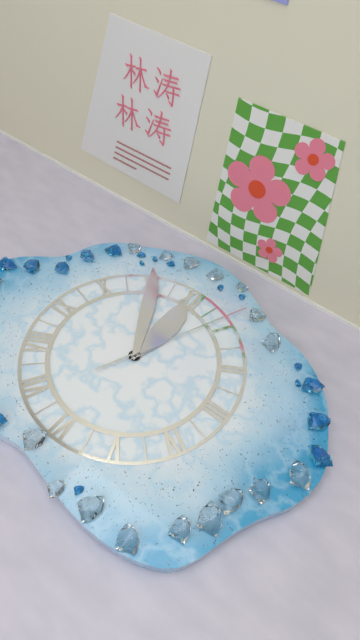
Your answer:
**11:55:04**
